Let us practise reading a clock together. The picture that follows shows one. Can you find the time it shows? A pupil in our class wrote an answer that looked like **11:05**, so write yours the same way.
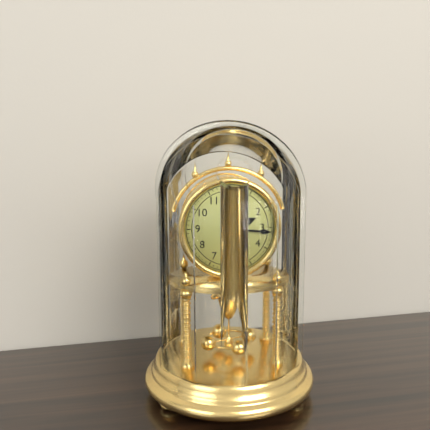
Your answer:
**2:16**
